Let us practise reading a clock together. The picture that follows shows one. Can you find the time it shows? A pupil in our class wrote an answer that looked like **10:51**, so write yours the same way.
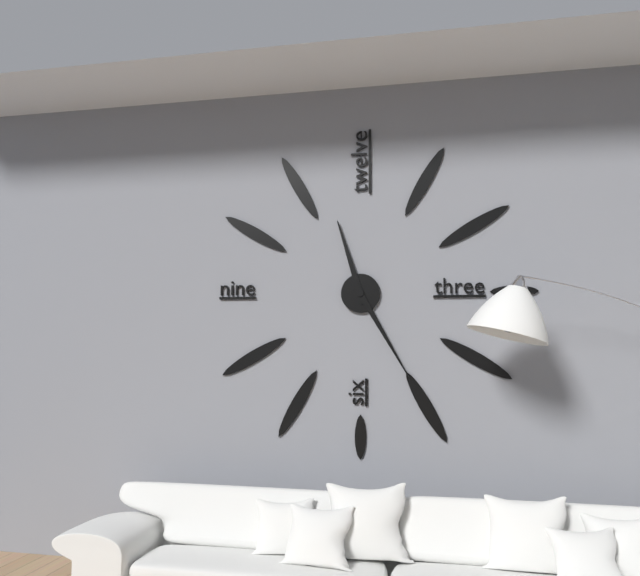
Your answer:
**11:25**
